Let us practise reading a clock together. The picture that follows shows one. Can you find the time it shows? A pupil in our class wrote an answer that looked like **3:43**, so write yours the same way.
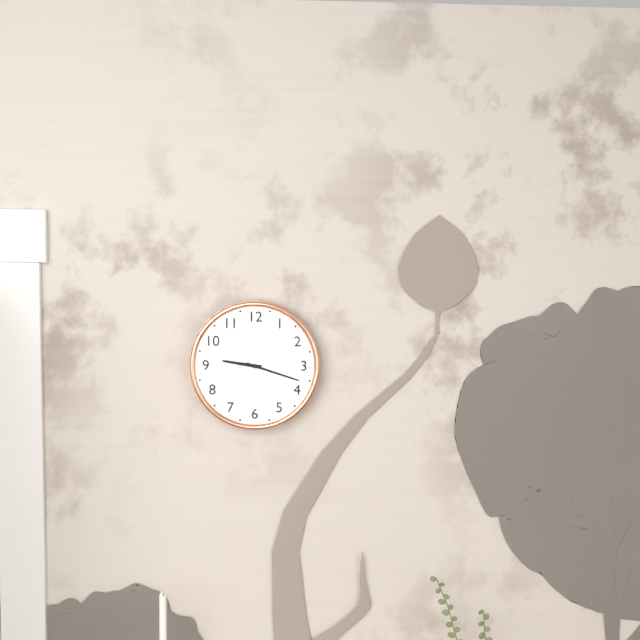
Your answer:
**9:18**
